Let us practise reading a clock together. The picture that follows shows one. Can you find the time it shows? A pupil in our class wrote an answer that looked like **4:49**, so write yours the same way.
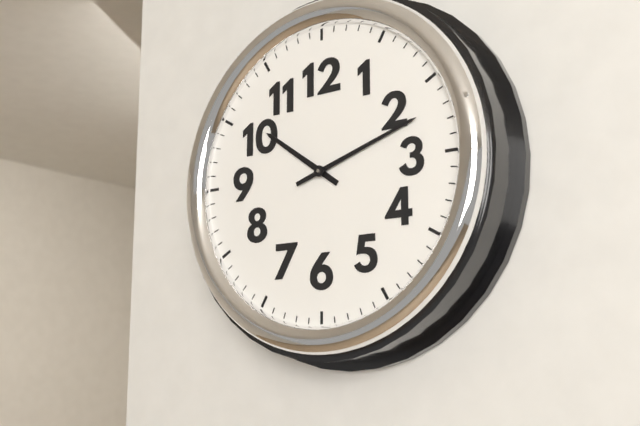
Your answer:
**10:12**
